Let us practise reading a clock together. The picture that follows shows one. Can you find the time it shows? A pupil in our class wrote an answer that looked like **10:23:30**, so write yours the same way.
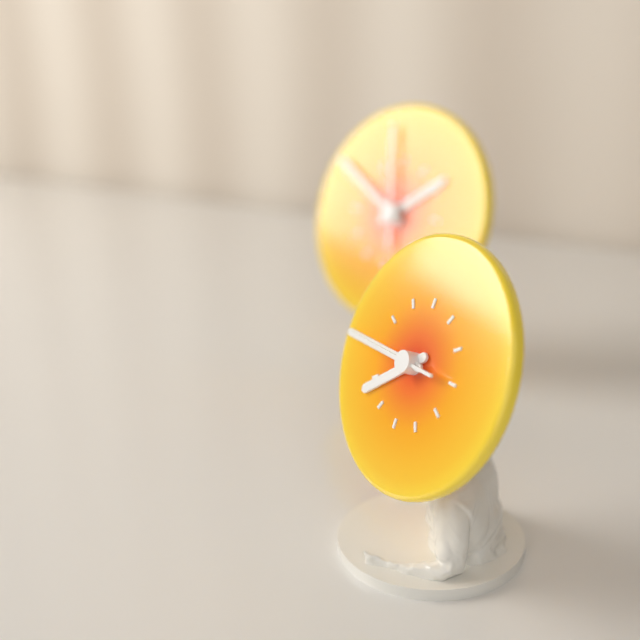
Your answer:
**7:45:45**
